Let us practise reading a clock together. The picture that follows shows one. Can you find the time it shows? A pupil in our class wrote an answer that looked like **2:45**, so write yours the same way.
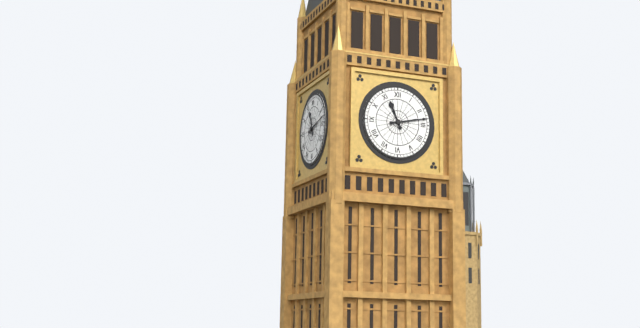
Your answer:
**11:13**
